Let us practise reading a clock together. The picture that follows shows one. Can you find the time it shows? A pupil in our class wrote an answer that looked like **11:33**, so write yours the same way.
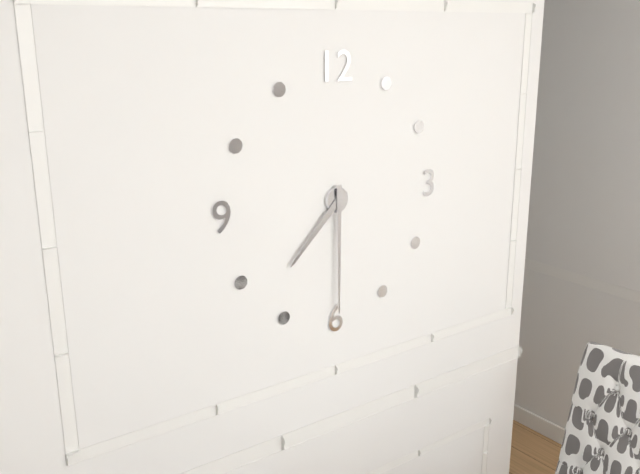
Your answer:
**7:30**
